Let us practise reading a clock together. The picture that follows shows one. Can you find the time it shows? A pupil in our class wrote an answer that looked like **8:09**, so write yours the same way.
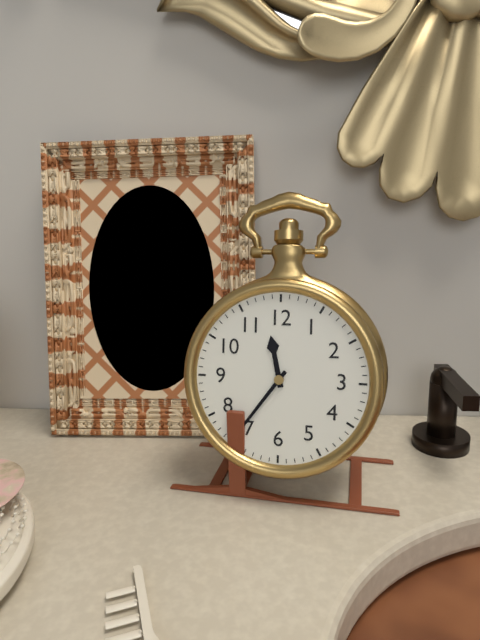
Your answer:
**11:36**
